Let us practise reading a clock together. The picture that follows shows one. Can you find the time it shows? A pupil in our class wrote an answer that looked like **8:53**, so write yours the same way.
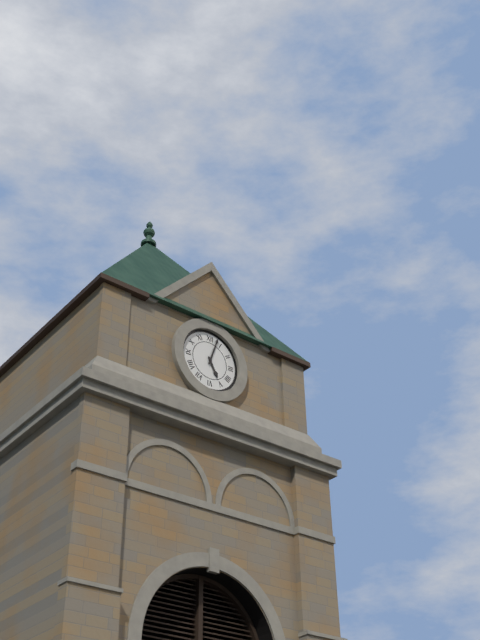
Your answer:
**5:03**
